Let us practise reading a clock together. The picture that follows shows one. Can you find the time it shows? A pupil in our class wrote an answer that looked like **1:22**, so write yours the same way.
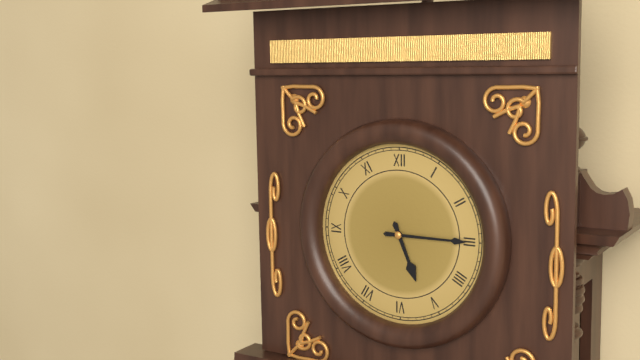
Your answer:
**5:15**
